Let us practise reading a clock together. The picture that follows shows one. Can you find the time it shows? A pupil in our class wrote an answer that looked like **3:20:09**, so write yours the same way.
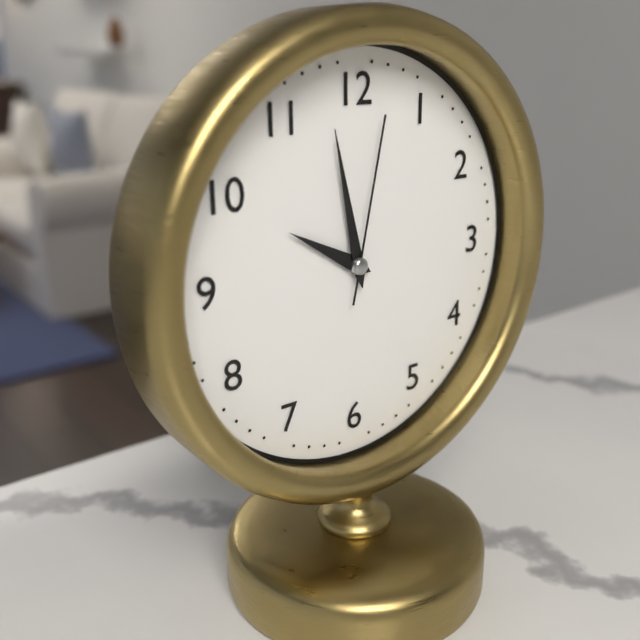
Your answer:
**9:58:02**
